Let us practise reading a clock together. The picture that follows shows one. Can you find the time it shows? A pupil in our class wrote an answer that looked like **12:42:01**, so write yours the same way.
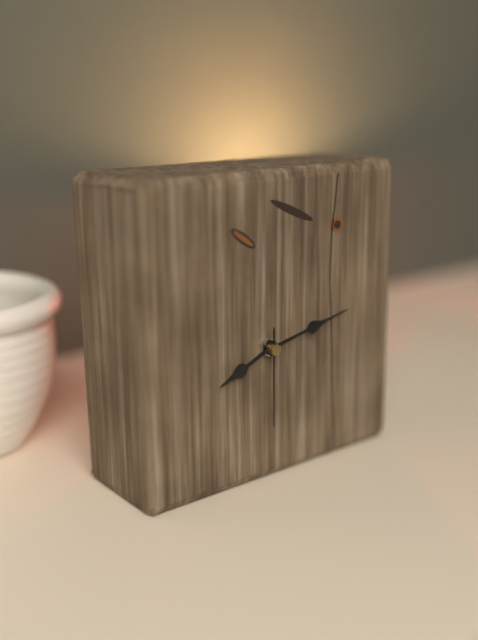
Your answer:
**8:13:30**
